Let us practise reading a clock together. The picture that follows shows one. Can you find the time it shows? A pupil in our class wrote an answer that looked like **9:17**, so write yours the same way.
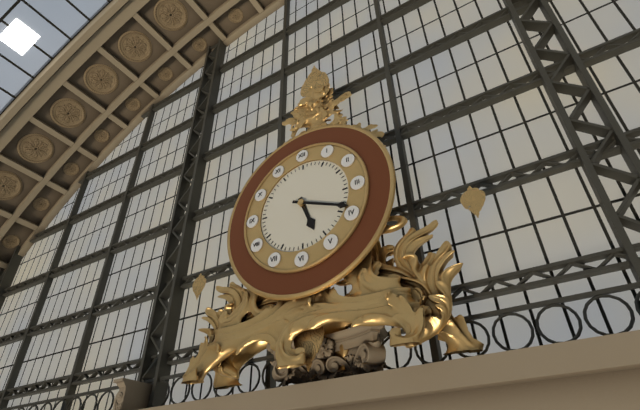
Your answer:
**5:19**
